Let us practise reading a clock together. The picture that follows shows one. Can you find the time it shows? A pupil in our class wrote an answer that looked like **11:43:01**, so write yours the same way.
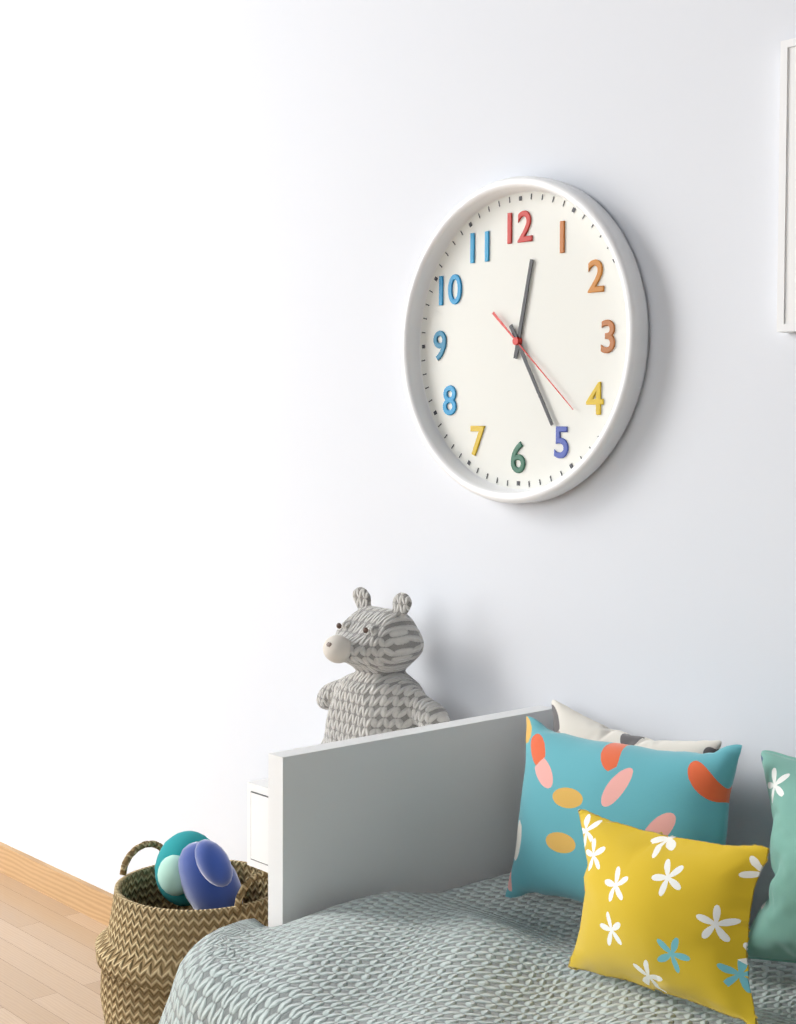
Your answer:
**12:25:22**
